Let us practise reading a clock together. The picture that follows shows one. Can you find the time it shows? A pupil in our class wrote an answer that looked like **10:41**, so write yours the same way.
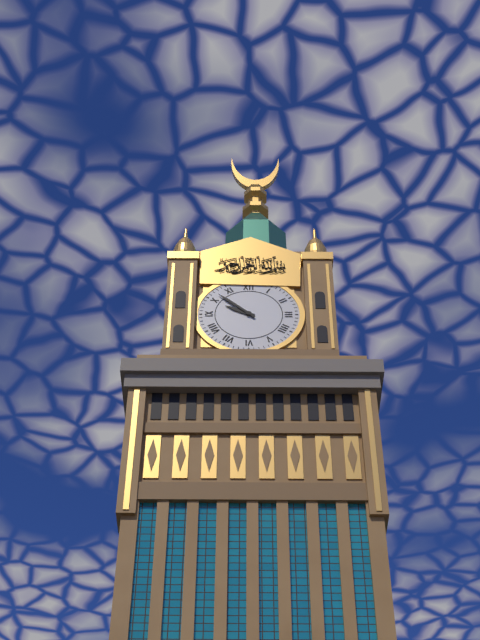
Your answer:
**9:52**
